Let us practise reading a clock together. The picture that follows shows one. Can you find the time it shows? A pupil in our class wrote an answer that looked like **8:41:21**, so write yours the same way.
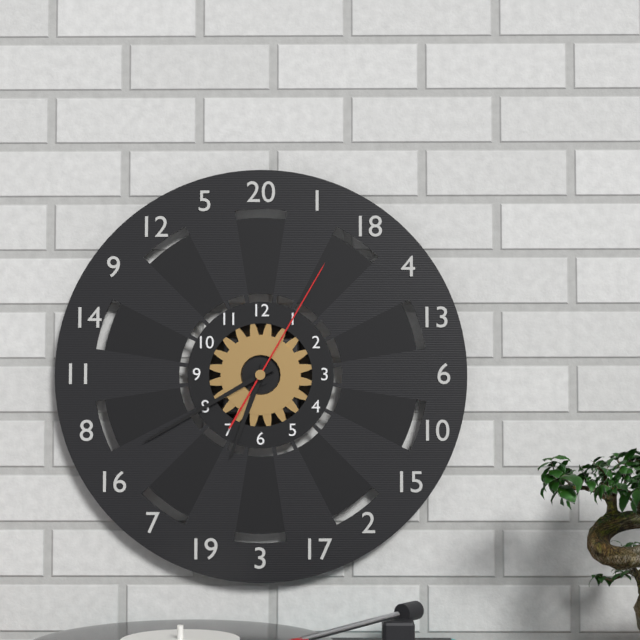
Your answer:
**6:40:05**
